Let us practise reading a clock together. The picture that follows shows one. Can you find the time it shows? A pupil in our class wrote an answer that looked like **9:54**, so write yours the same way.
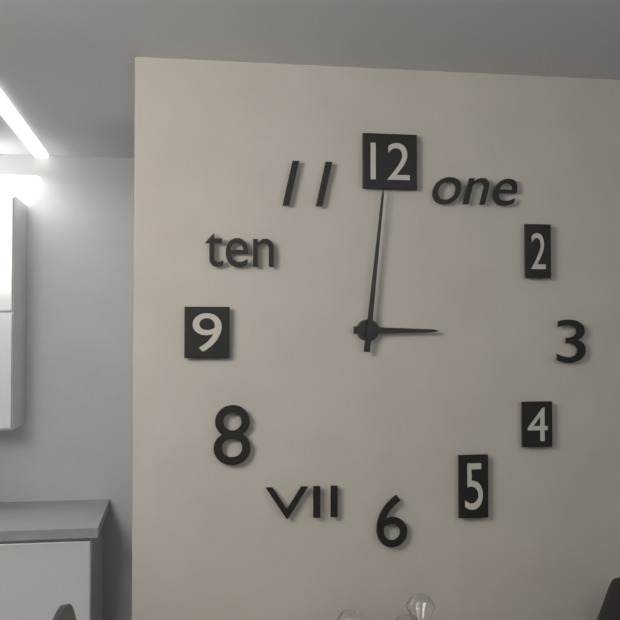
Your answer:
**3:01**
